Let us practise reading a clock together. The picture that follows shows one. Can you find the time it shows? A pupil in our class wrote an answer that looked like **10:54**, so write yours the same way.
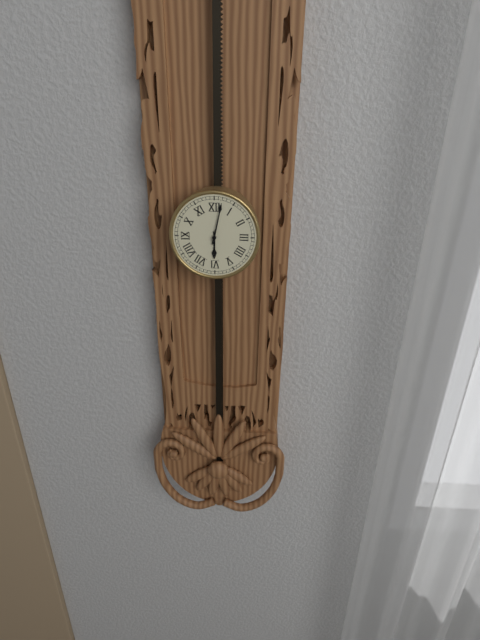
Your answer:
**6:02**
